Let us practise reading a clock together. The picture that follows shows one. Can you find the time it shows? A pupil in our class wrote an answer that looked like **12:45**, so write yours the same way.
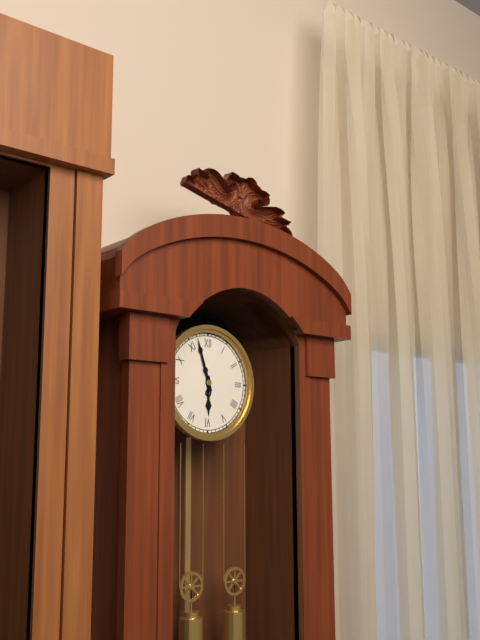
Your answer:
**5:57**
